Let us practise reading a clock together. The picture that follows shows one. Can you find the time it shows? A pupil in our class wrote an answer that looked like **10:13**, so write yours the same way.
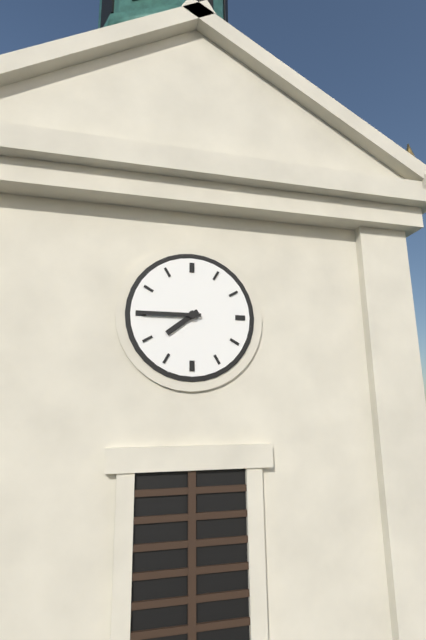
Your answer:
**7:45**
